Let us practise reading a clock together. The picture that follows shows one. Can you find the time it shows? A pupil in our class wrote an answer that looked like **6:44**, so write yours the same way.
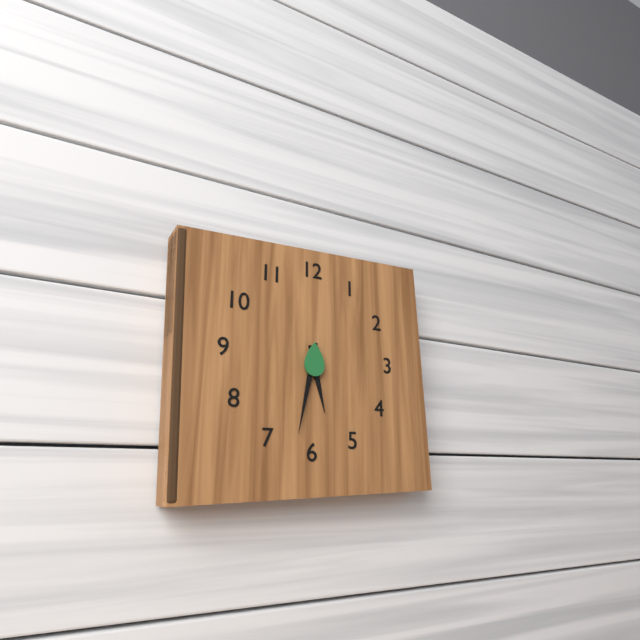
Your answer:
**5:32**
